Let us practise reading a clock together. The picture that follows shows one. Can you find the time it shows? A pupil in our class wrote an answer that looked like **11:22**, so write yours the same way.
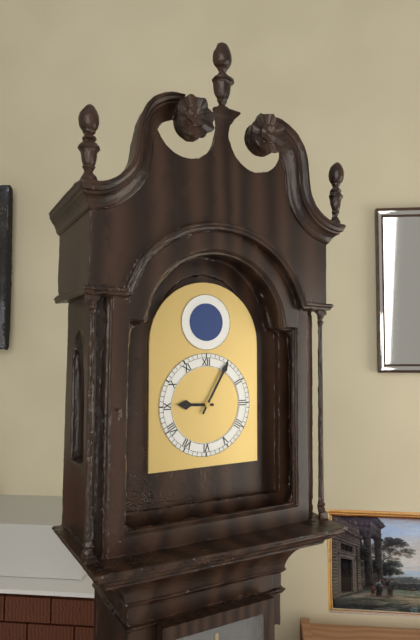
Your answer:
**9:05**
